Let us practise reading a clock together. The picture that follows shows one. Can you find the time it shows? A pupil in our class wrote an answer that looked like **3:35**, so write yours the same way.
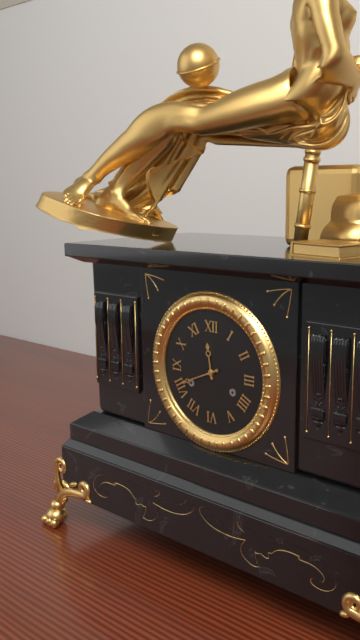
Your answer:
**11:41**
